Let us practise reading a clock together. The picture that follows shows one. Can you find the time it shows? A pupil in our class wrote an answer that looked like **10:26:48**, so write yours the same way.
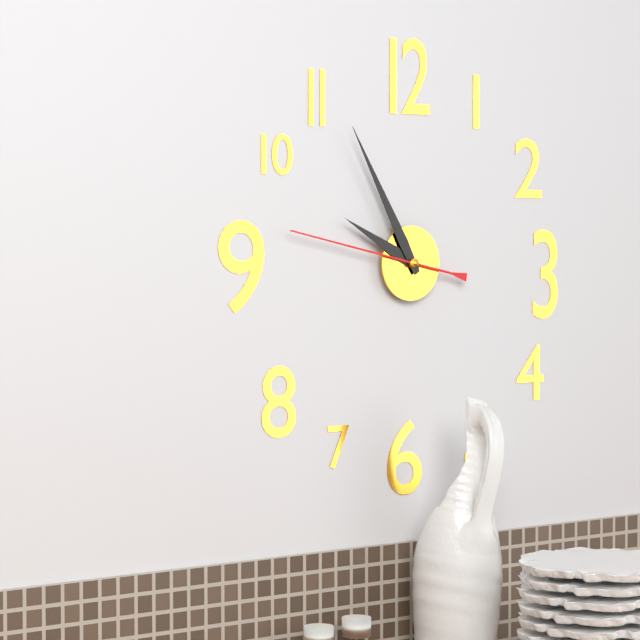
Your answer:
**9:55:47**
